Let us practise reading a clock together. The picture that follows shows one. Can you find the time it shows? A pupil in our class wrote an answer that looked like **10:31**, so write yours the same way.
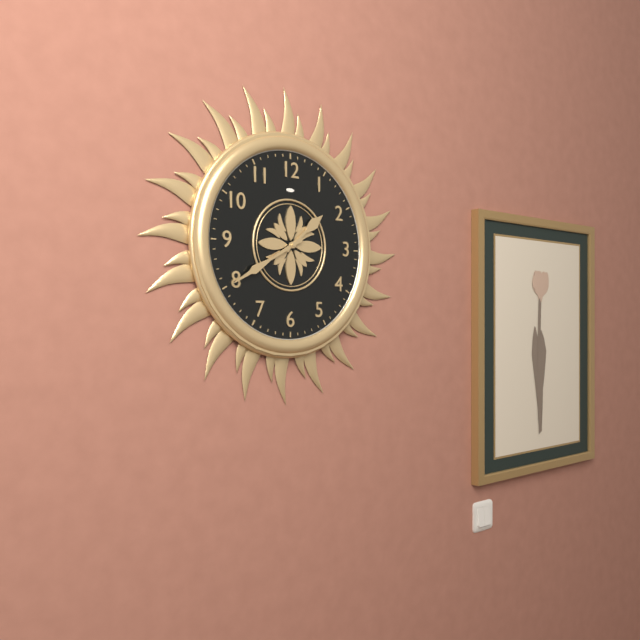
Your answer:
**1:40**
